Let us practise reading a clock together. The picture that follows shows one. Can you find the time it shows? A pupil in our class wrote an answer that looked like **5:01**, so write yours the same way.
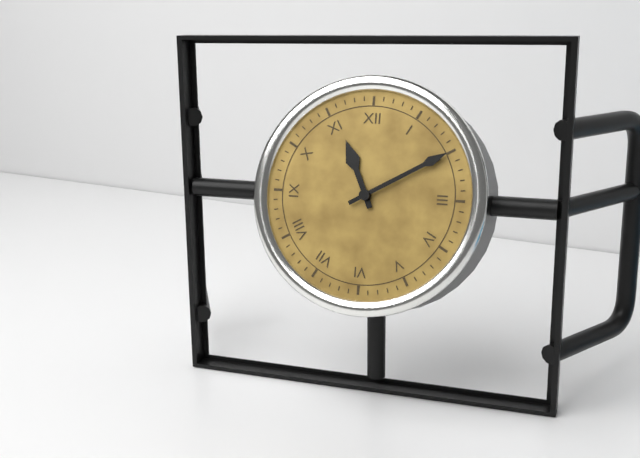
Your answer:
**11:10**
